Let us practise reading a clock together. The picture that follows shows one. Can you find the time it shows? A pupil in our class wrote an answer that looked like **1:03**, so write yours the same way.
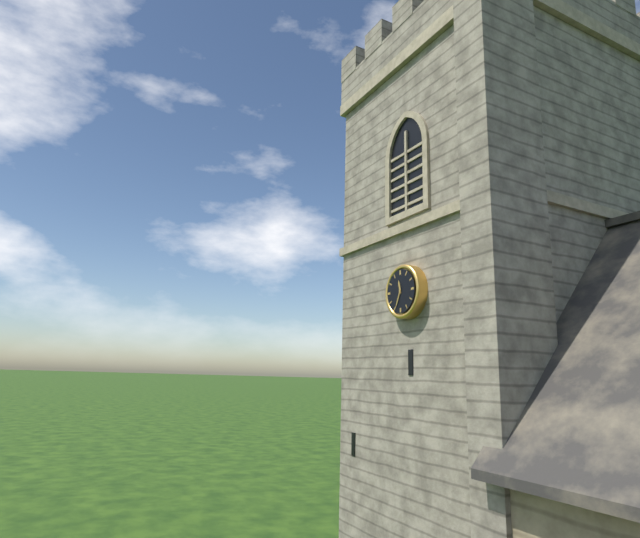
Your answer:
**11:34**
